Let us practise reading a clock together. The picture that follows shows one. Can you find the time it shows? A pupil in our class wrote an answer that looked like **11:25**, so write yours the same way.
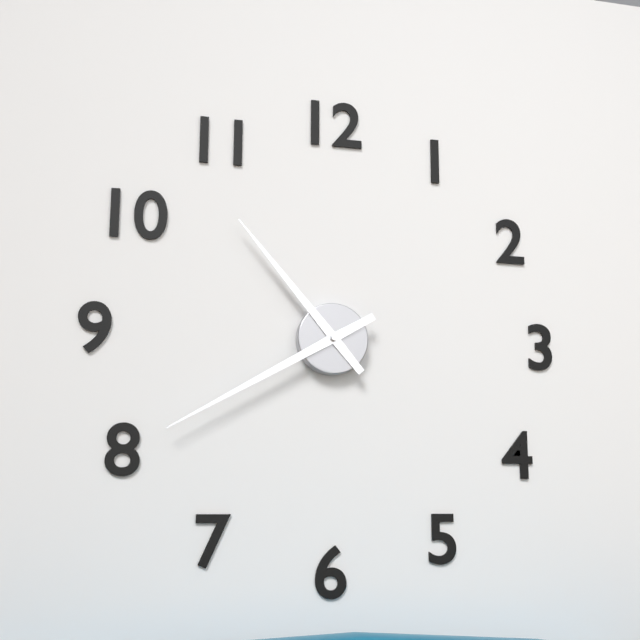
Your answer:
**10:40**
